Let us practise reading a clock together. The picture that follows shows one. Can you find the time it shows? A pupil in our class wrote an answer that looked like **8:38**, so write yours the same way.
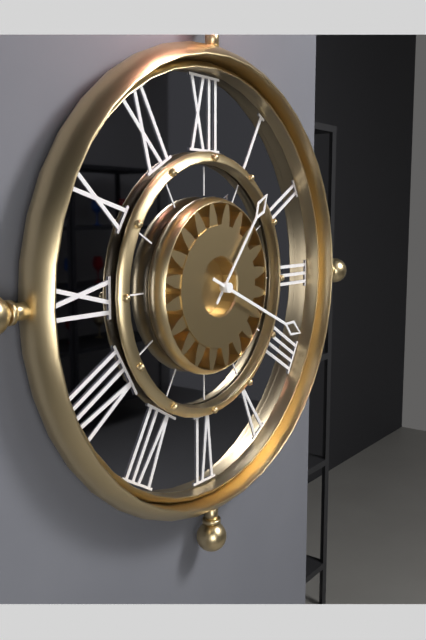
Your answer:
**1:19**
